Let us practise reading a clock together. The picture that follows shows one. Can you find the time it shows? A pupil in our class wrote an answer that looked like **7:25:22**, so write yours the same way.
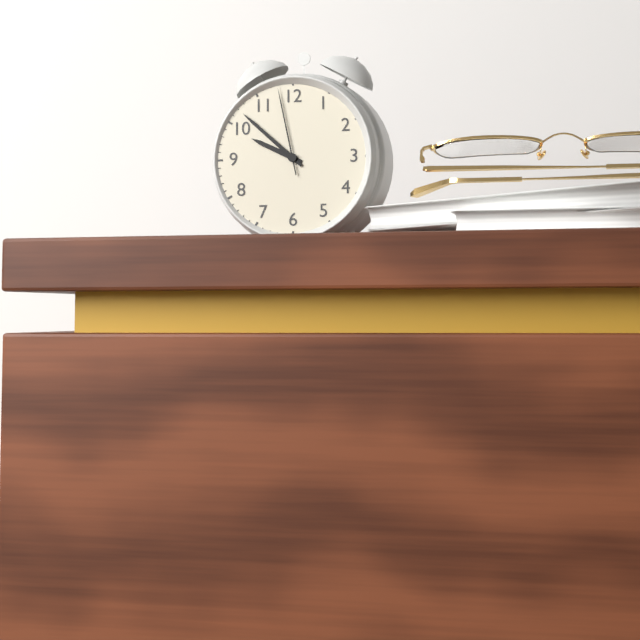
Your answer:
**9:52:58**
